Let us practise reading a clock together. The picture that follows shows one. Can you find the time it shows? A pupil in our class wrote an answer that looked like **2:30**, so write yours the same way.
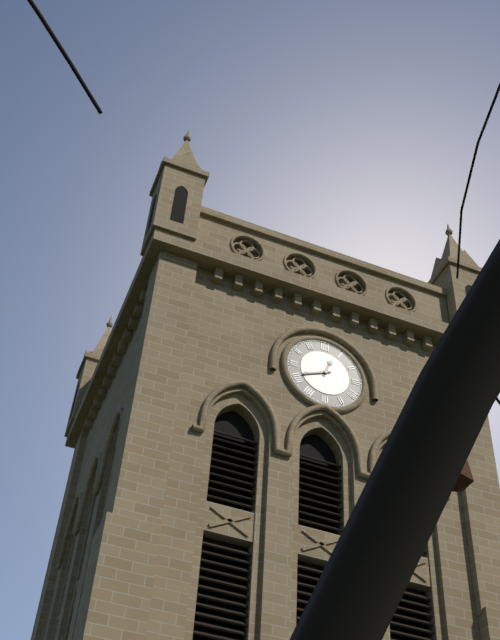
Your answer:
**12:41**
